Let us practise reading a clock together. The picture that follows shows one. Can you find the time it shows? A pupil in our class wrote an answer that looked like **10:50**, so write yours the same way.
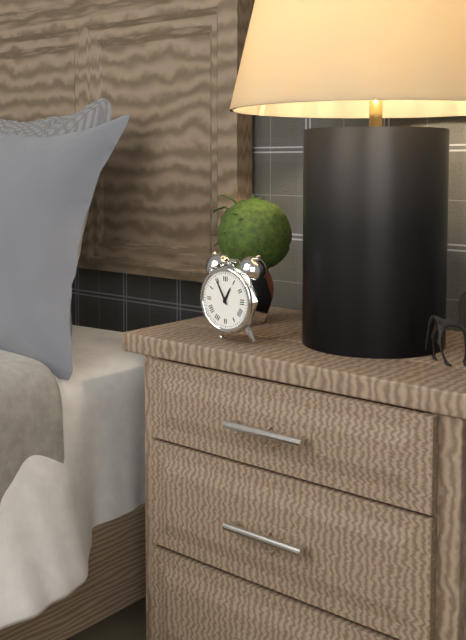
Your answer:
**12:55**
